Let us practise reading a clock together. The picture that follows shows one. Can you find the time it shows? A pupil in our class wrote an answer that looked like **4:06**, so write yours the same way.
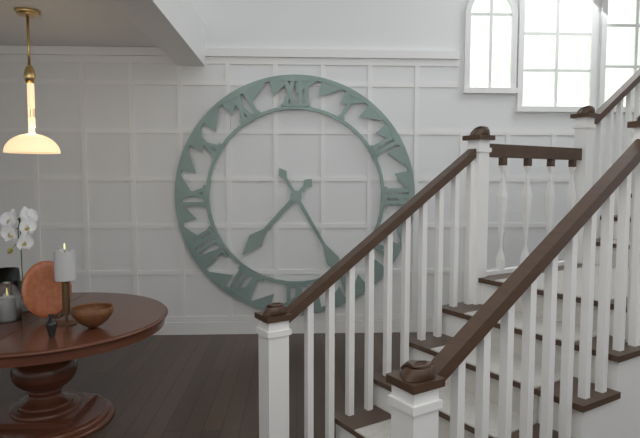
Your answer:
**7:25**
